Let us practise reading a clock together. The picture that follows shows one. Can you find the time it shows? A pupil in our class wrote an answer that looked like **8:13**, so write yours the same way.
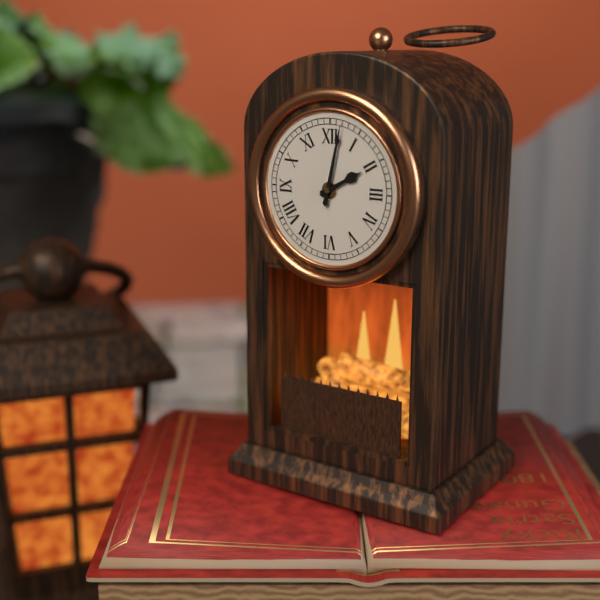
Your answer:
**2:02**
